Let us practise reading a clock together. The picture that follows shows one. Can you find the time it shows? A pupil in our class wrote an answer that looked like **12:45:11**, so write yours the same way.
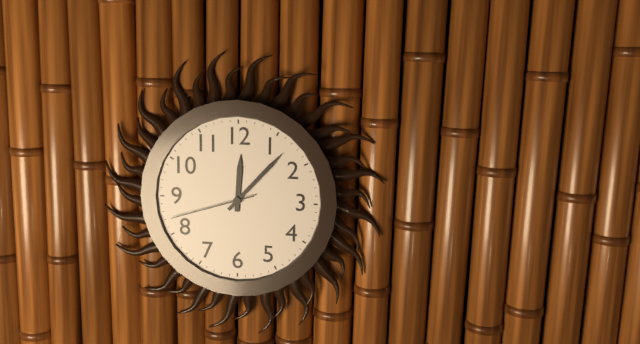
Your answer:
**12:07:42**
